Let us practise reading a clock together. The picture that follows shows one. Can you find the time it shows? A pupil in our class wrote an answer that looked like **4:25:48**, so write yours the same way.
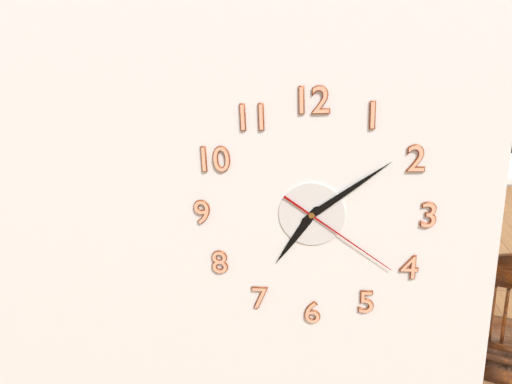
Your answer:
**7:09:21**
